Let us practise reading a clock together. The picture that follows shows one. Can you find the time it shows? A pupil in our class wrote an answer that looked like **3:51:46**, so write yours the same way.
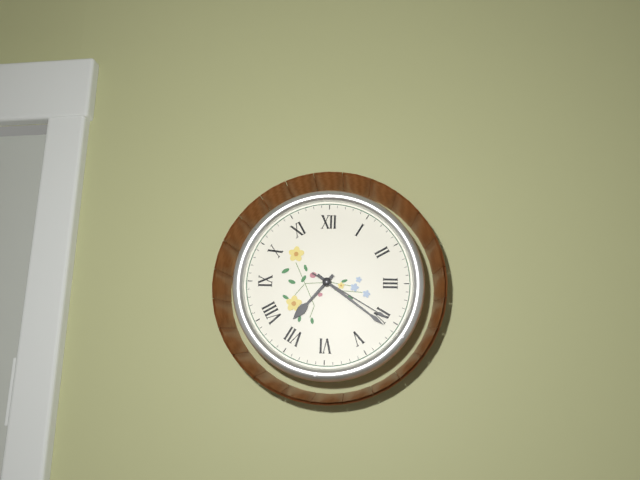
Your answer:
**7:21:20**
